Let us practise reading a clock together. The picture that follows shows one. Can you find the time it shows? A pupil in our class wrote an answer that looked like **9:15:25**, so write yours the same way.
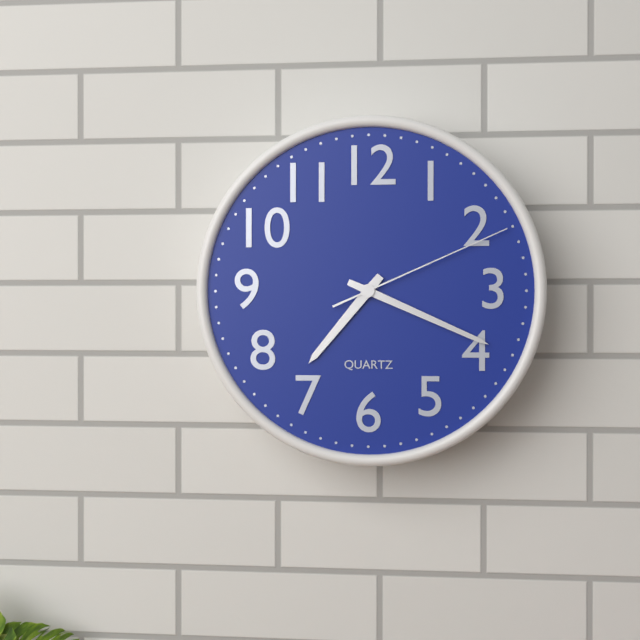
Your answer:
**7:19:11**
